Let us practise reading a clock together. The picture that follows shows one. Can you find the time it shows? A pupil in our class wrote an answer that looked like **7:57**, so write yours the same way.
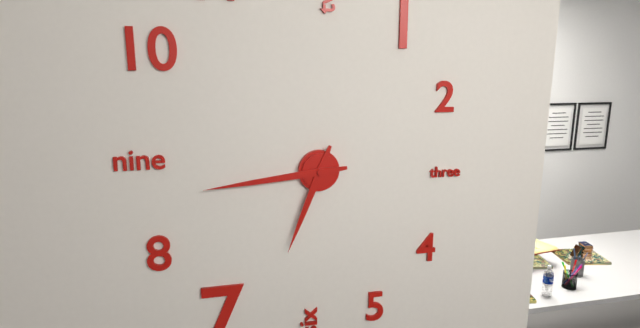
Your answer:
**6:44**
